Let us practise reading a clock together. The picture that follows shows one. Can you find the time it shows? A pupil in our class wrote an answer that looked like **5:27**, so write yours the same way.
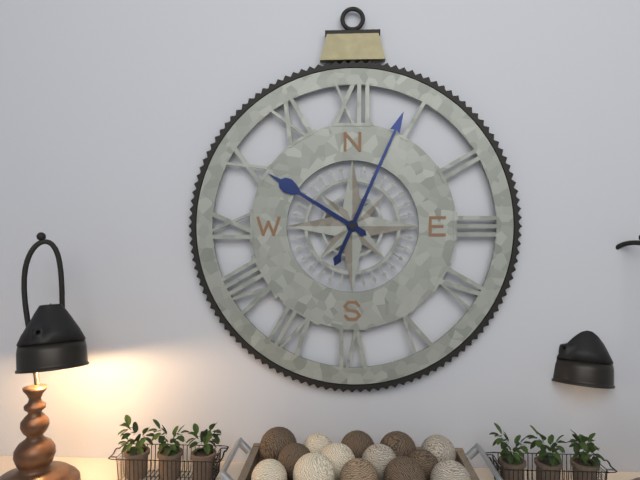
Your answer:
**10:04**
